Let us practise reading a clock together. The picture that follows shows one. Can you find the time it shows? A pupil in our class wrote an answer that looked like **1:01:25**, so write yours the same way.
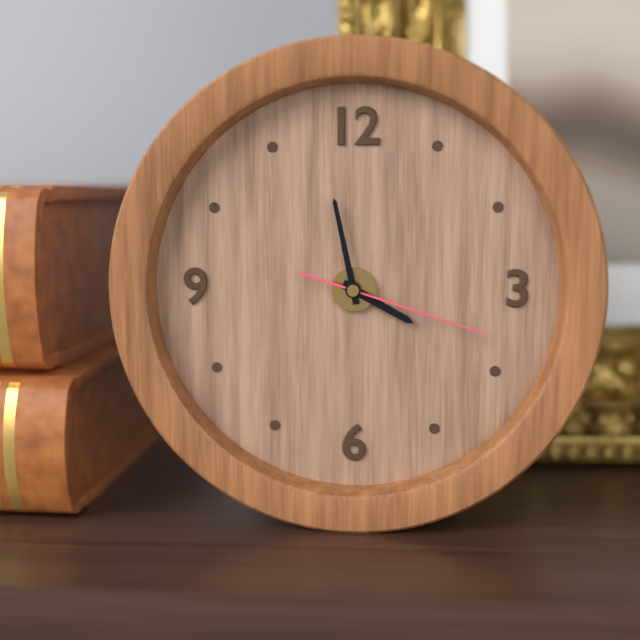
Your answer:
**3:58:18**
